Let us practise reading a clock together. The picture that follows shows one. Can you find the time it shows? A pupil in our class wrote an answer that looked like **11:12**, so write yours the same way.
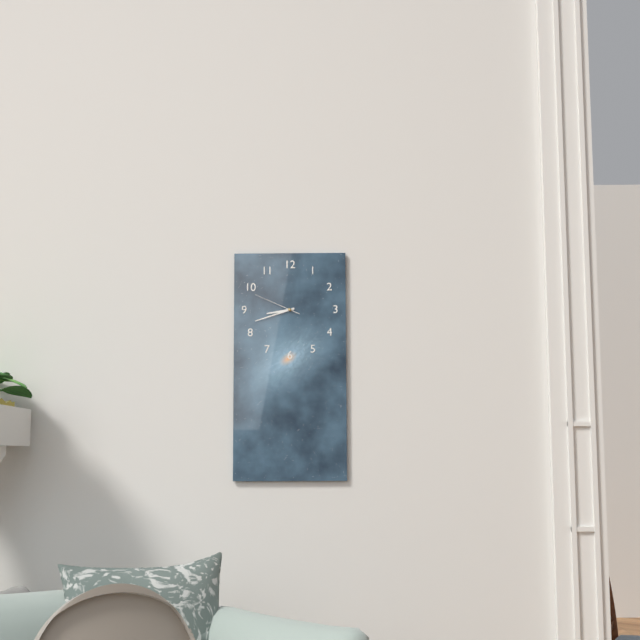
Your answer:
**8:42**
